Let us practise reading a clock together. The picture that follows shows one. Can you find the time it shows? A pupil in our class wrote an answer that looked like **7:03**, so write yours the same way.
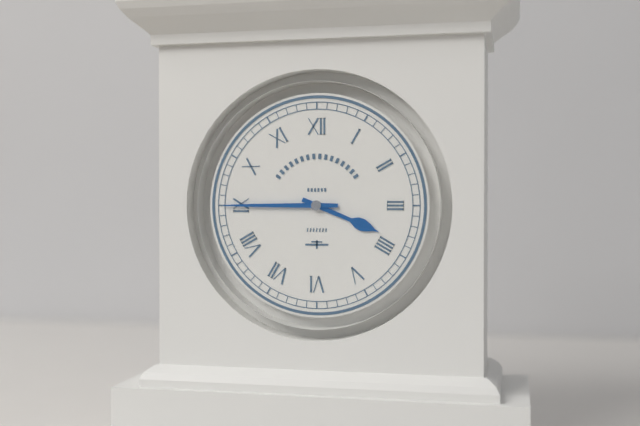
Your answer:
**3:45**
